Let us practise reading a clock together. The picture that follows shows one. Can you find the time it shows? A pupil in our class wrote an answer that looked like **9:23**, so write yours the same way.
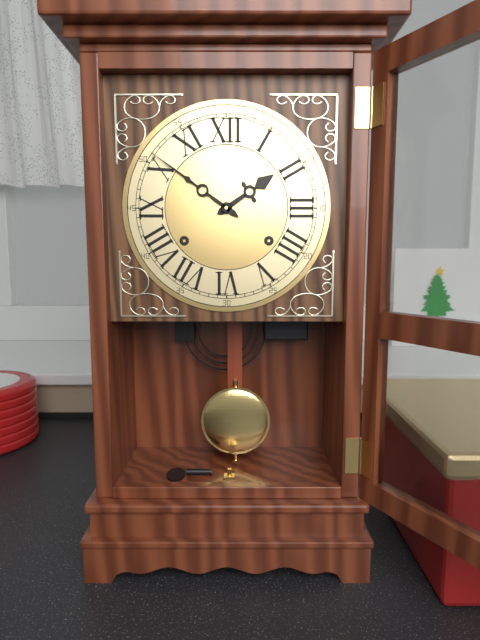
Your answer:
**1:51**
